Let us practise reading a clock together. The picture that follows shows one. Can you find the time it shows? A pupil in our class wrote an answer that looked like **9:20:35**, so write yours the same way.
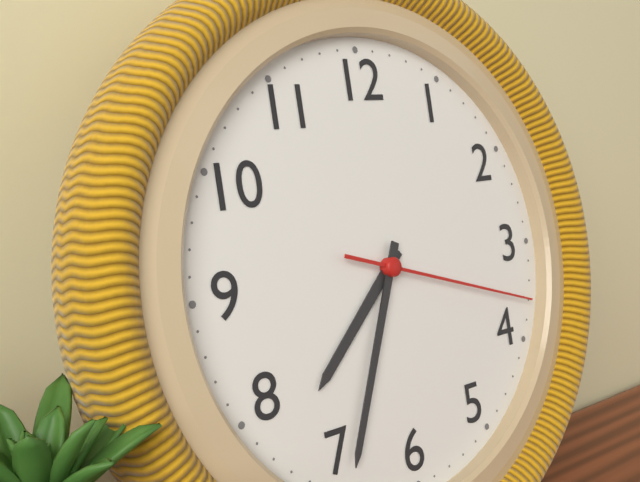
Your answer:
**7:34:18**
